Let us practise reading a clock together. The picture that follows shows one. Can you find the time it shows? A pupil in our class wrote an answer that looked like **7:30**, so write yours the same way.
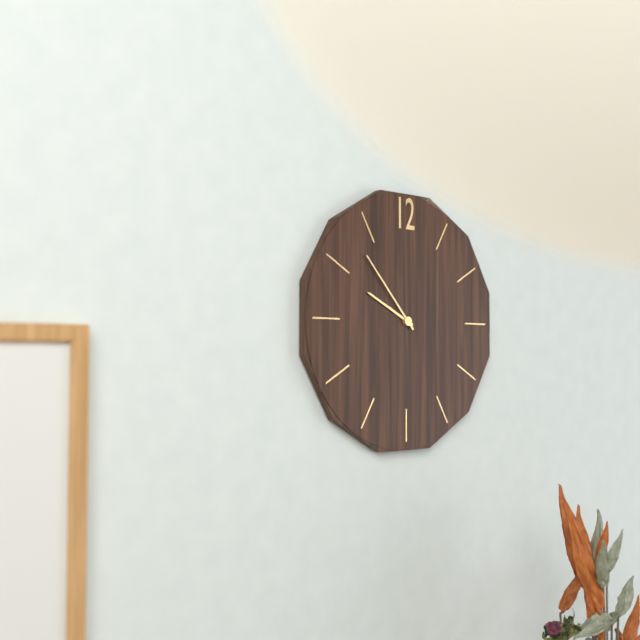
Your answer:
**9:53**
